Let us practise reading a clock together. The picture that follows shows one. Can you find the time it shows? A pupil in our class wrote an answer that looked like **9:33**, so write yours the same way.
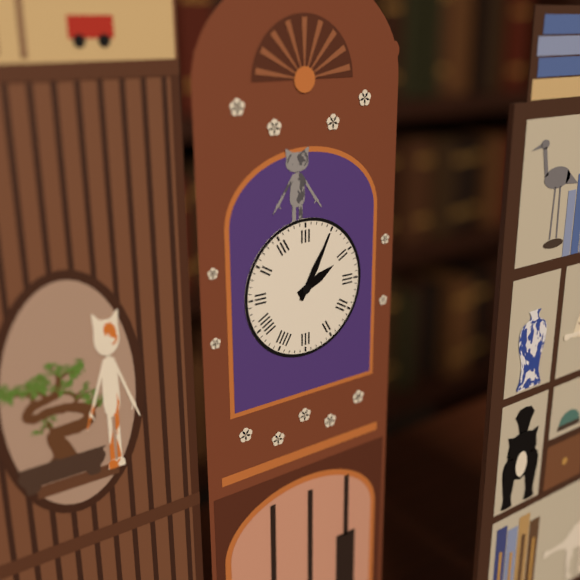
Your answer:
**2:05**
